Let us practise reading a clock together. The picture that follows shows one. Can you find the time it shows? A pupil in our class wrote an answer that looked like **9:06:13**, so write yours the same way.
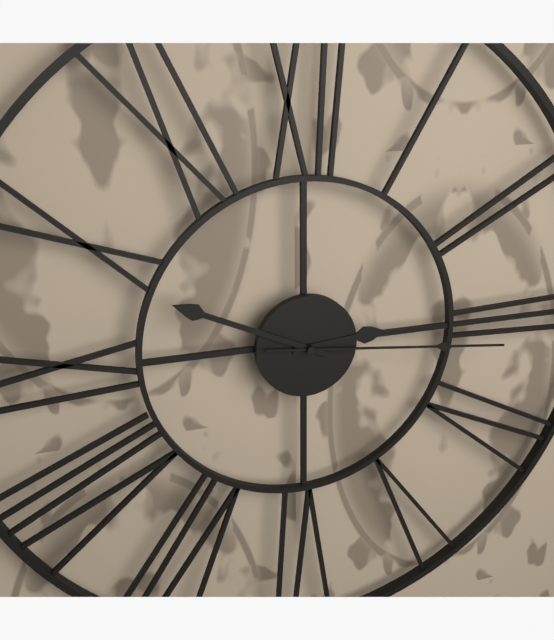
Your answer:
**2:49:16**
